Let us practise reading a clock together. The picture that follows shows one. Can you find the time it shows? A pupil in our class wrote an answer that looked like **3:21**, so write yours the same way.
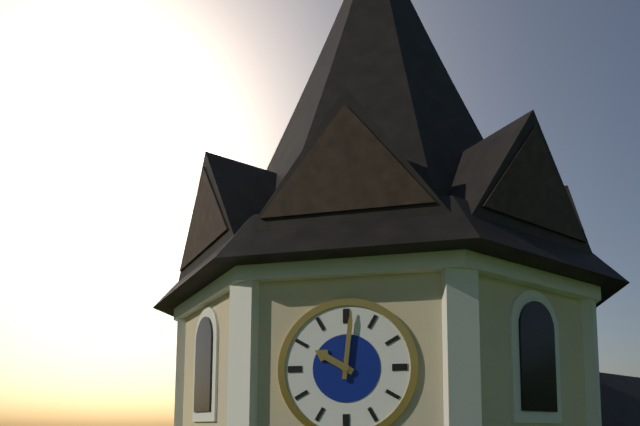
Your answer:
**10:01**
